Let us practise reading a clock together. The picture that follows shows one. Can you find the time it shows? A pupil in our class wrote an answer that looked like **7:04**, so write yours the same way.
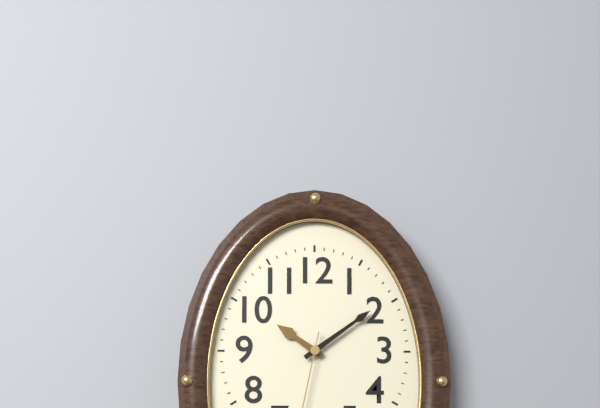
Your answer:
**10:09**
